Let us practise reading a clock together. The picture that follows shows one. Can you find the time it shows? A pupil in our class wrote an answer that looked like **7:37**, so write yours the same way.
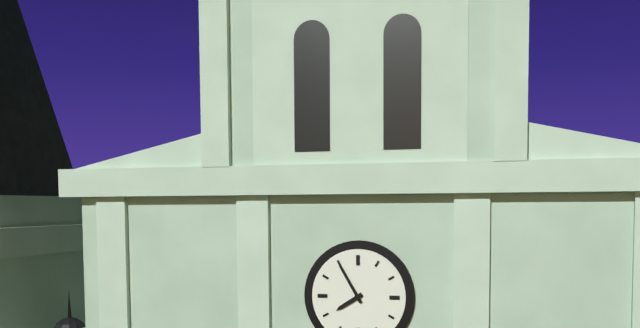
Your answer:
**7:55**
